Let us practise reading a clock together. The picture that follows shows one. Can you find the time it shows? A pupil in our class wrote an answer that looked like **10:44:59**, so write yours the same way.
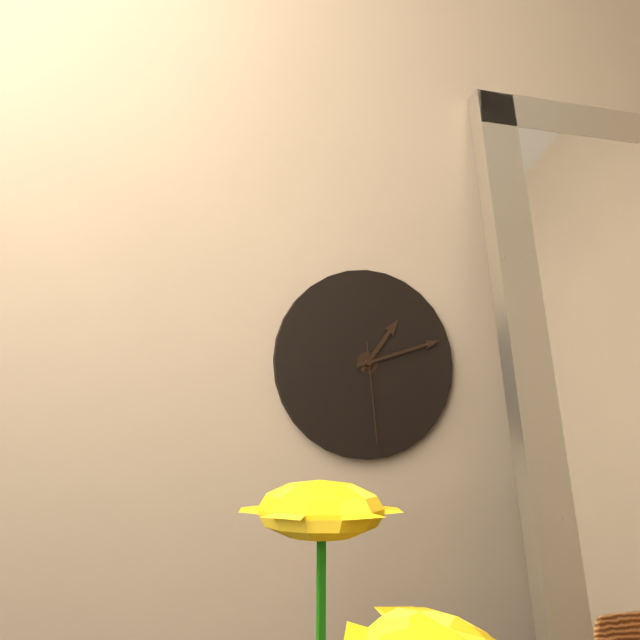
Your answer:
**1:12:29**
